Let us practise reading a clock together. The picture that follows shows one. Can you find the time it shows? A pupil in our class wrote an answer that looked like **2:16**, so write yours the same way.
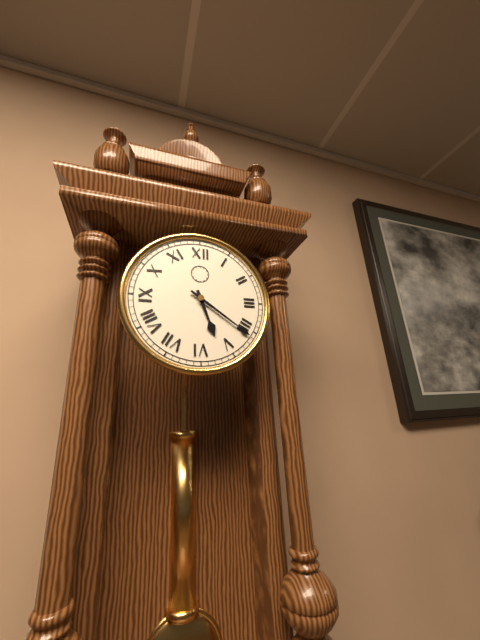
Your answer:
**5:21**
